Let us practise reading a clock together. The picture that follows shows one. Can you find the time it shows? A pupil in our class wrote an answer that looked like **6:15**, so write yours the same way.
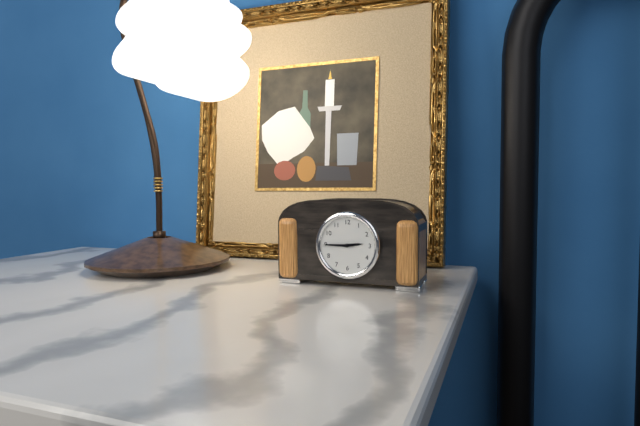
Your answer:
**2:45**
